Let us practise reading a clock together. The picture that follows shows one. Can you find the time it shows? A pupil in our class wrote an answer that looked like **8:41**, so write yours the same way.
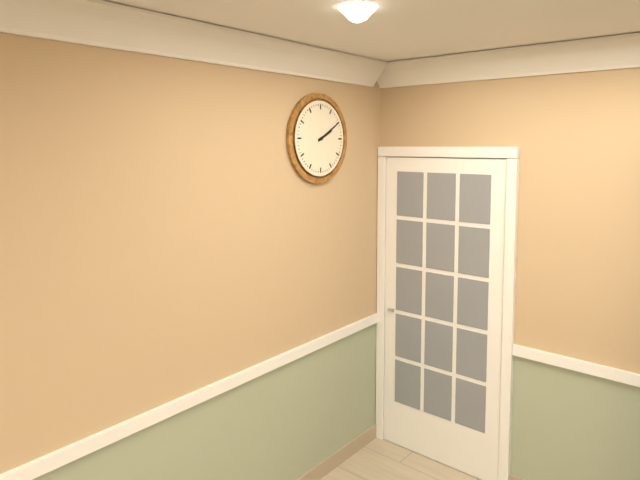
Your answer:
**2:10**
